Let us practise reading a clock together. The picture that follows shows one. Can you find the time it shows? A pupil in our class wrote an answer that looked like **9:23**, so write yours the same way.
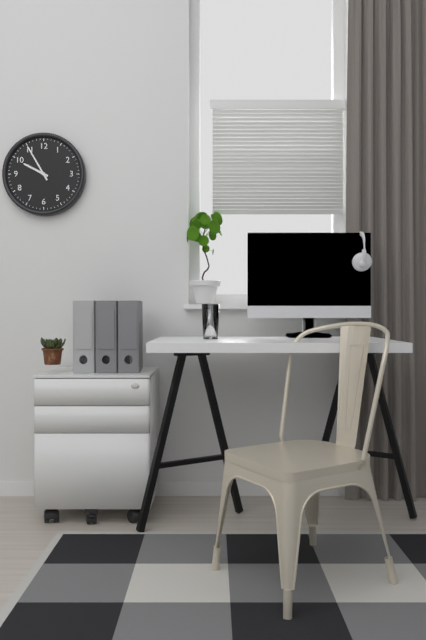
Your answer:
**9:55**
